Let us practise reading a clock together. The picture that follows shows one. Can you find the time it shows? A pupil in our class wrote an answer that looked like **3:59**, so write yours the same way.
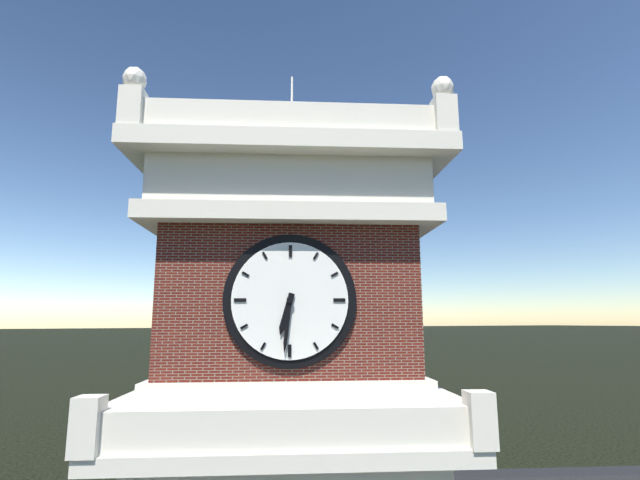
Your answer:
**6:31**
